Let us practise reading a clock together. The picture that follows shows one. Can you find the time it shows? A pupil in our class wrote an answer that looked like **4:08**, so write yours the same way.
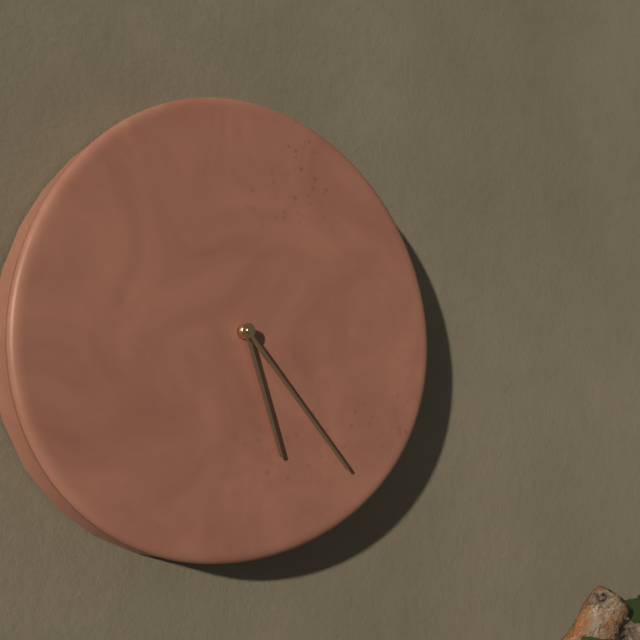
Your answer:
**5:23**
